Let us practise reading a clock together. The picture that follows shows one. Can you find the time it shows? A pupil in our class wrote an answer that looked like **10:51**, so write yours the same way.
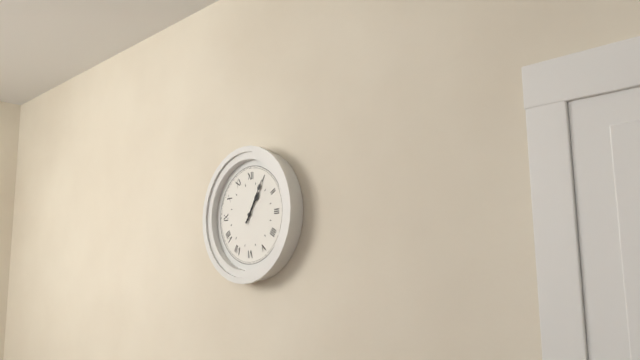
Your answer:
**1:05**
